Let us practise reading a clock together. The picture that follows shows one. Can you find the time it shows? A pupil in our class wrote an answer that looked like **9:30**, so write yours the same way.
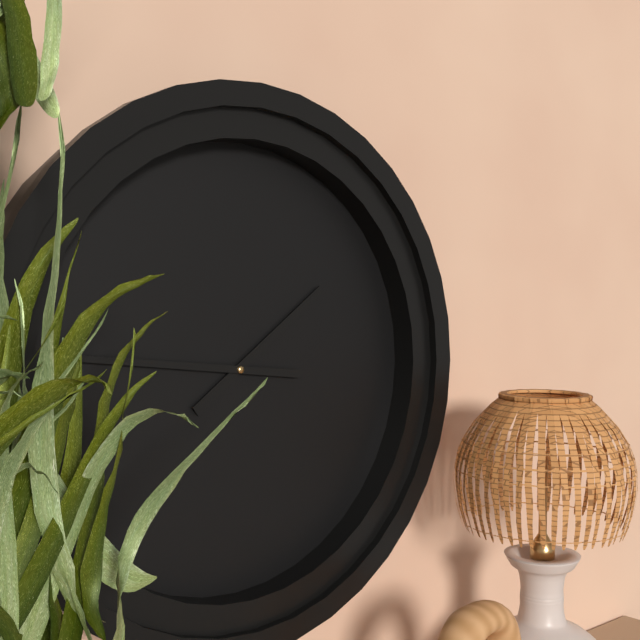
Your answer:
**1:46**
